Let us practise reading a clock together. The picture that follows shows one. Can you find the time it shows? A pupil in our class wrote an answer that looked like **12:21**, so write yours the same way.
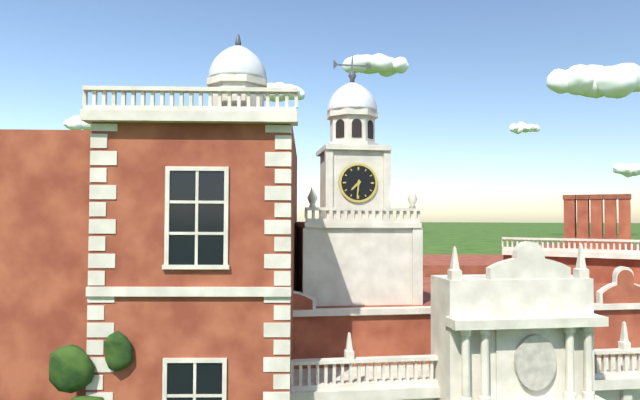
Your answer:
**7:31**
